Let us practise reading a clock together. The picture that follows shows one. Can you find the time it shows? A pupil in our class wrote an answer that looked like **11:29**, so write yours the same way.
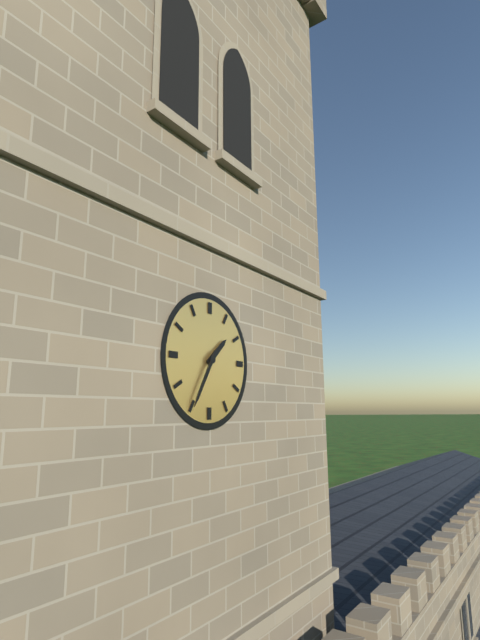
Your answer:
**1:35**
